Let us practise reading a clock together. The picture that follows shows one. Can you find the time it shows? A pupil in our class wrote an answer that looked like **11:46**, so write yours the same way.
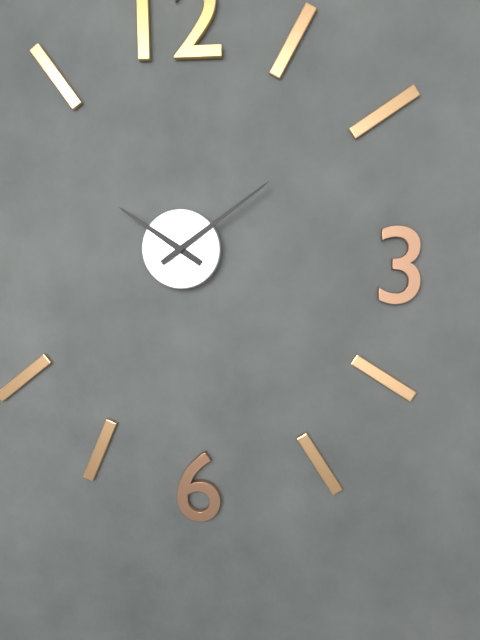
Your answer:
**10:09**
